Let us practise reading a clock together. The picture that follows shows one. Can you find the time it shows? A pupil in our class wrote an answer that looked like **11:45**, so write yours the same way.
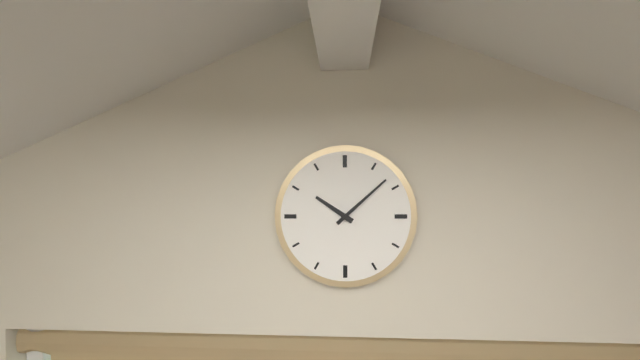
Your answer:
**10:08**
